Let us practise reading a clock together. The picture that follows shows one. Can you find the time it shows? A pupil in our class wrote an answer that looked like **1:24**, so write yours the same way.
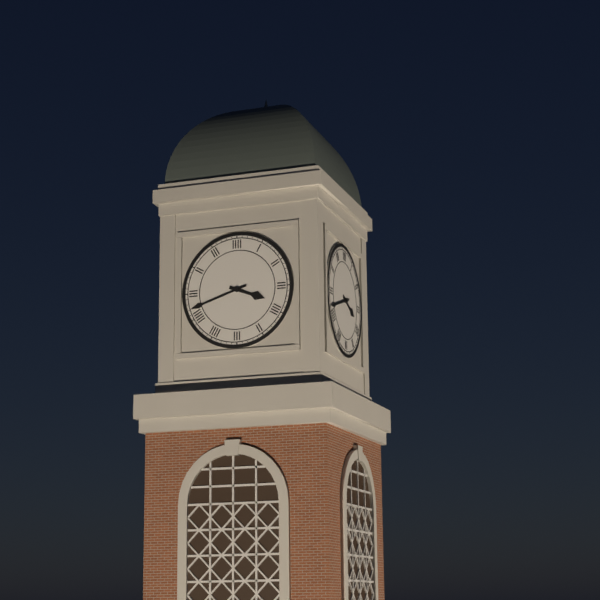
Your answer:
**3:42**
